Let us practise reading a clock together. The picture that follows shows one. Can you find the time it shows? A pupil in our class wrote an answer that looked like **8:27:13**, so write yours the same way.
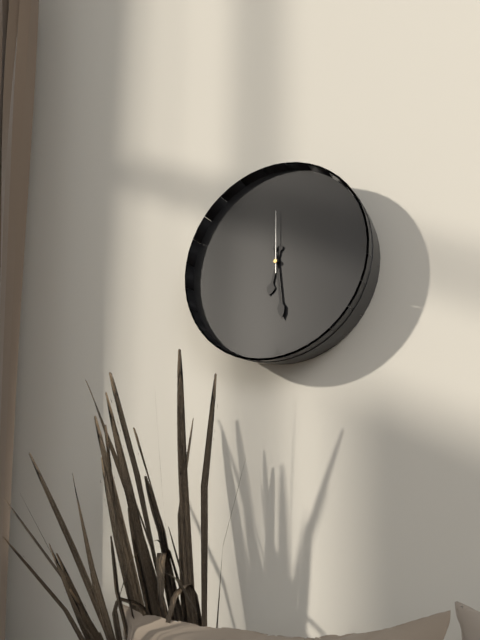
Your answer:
**6:29:00**
